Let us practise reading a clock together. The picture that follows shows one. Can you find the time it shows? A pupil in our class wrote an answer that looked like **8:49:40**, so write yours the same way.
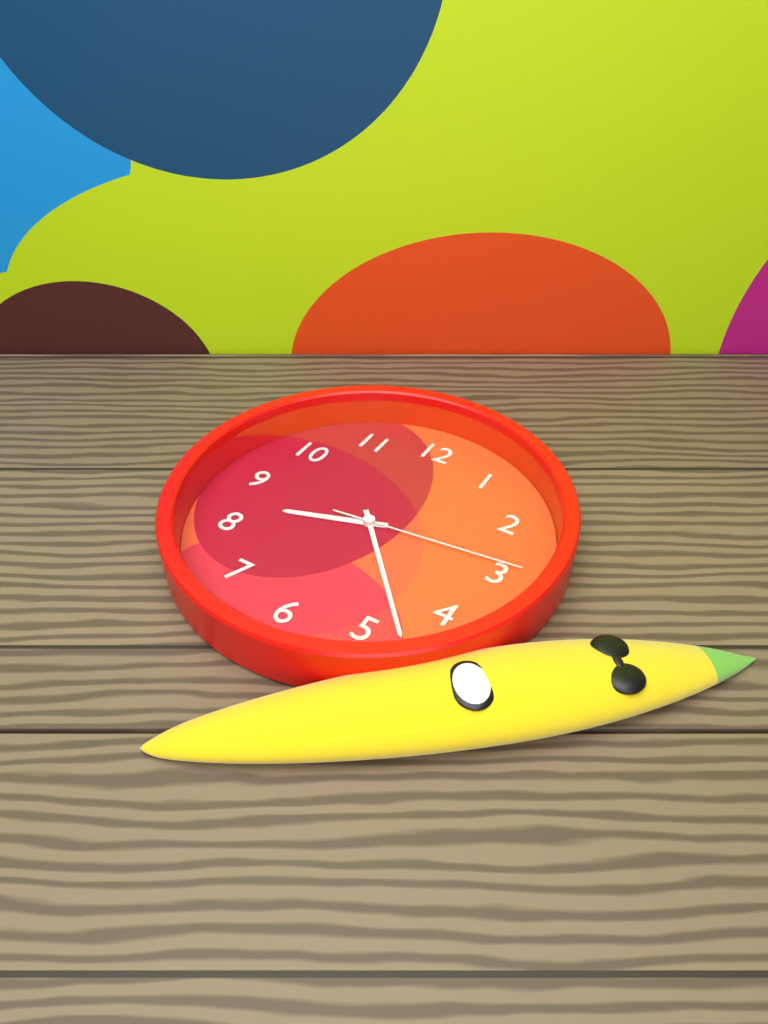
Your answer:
**8:23:14**
